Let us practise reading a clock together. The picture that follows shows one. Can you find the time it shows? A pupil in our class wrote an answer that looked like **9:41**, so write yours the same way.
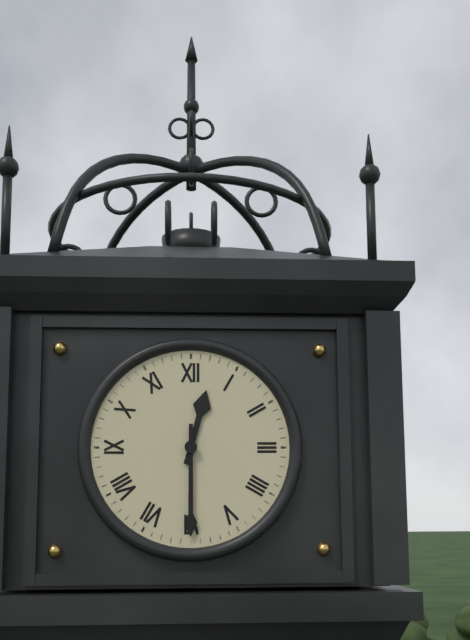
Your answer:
**12:30**
